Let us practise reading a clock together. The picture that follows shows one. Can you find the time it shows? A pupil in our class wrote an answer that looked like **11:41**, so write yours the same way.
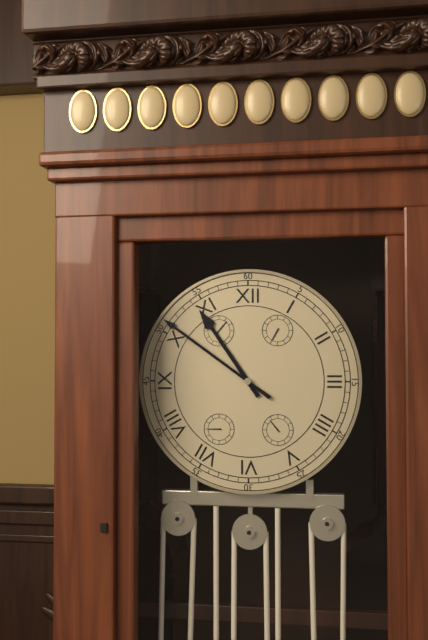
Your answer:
**10:51**
